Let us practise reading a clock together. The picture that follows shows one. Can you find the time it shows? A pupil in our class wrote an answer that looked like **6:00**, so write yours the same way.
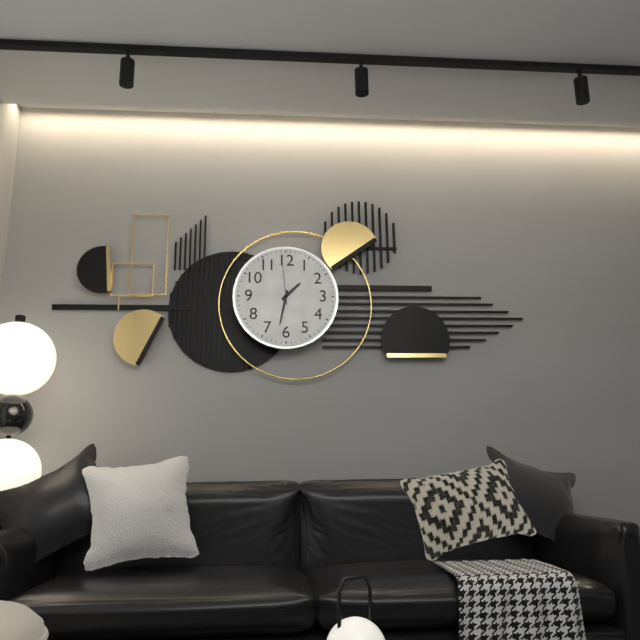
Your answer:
**1:32**
